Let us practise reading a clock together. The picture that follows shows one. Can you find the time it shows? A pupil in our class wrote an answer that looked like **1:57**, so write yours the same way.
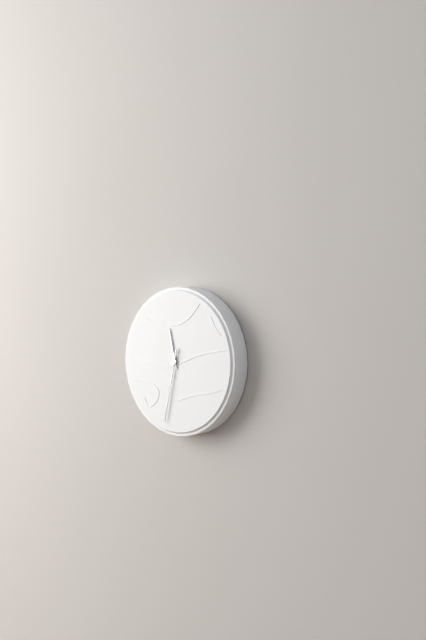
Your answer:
**11:32**
